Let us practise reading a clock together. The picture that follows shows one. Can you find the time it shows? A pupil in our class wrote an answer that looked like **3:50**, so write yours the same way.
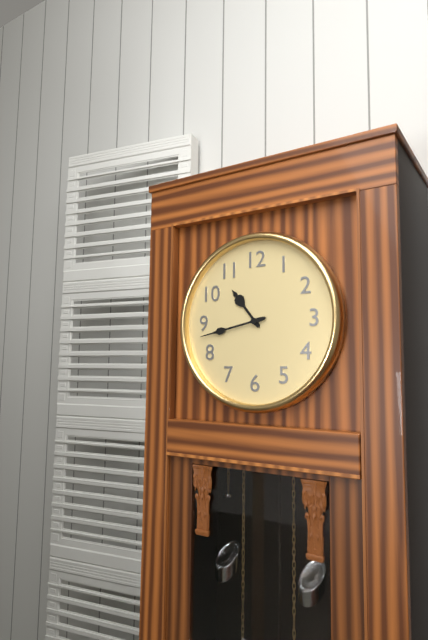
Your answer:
**10:43**
